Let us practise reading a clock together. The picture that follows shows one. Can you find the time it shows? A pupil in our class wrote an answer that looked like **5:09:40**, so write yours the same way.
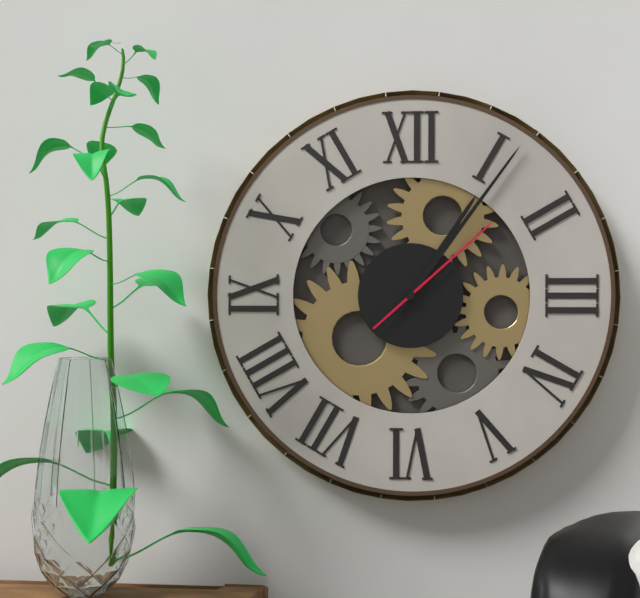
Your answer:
**1:06:08**
